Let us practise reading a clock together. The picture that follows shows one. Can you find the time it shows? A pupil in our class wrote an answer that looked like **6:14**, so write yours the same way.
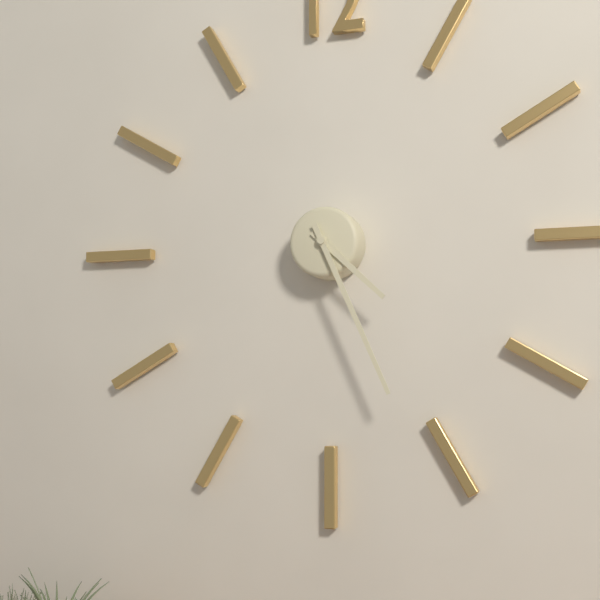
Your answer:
**4:26**
